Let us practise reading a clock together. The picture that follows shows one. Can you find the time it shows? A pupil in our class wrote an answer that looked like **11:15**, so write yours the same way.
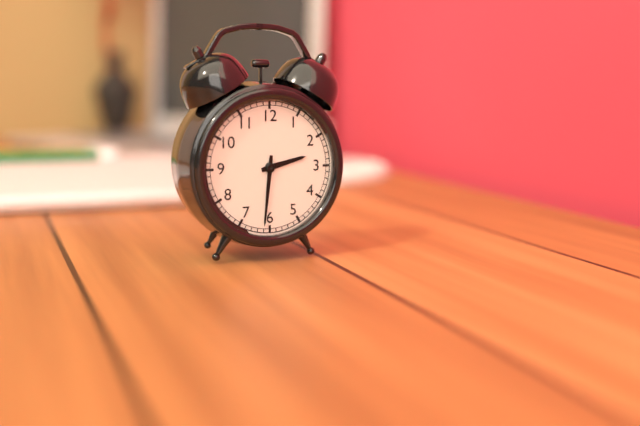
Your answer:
**2:31**
